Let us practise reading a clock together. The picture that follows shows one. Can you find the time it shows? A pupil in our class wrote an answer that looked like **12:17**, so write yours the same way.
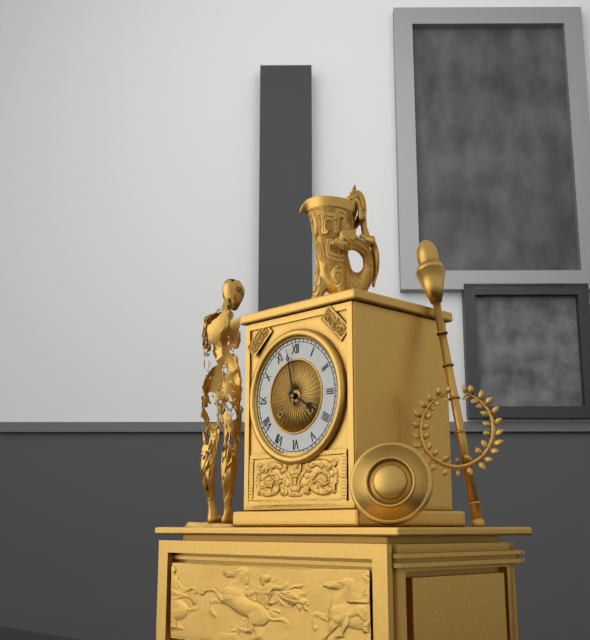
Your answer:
**3:58**
